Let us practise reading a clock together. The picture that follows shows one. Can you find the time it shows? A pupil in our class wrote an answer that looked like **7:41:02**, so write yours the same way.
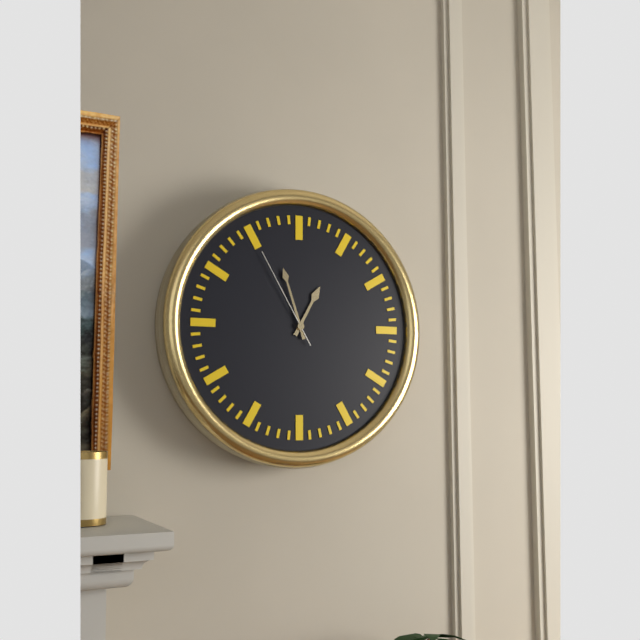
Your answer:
**12:57:55**
